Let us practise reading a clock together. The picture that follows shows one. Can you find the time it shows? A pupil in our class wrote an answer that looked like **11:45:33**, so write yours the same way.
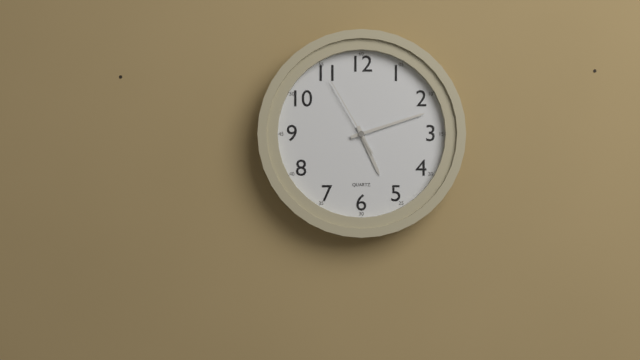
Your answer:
**5:12:55**
